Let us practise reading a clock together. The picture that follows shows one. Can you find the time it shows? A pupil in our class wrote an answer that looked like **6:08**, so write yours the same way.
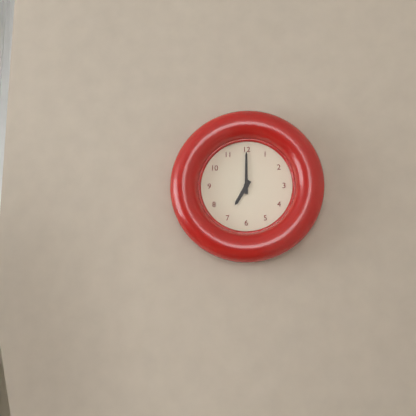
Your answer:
**7:00**
